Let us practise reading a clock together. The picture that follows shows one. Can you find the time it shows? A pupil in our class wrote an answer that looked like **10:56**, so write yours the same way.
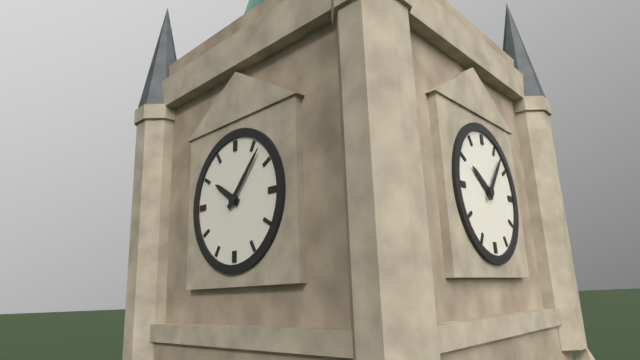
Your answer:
**10:07**
